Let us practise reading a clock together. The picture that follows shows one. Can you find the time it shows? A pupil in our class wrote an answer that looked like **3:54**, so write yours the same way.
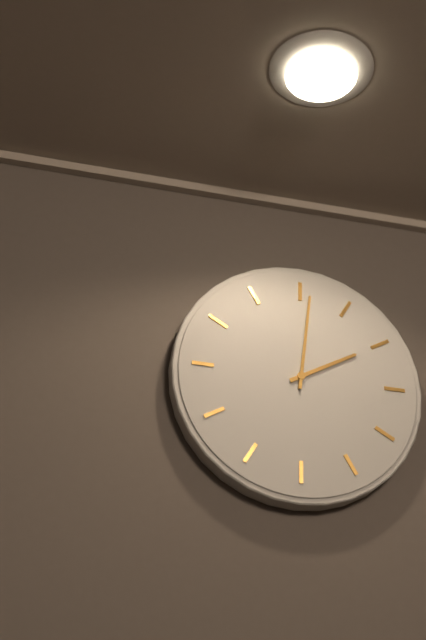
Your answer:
**2:01**
